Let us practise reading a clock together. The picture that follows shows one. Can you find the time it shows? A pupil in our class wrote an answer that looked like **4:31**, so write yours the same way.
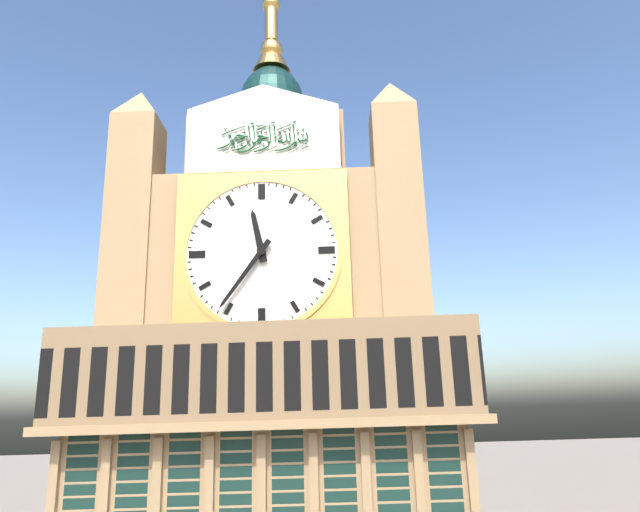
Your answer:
**11:36**
